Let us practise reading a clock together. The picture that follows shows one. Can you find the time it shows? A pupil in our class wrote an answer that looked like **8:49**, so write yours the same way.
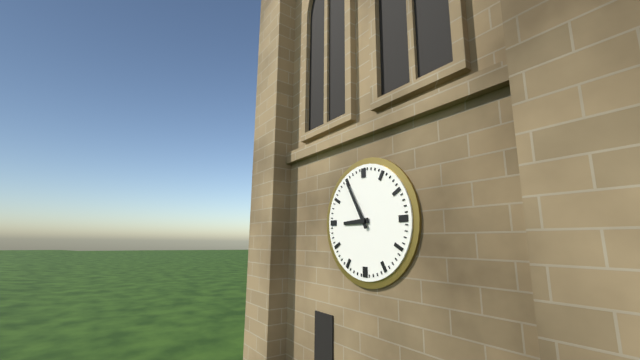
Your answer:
**8:55**
